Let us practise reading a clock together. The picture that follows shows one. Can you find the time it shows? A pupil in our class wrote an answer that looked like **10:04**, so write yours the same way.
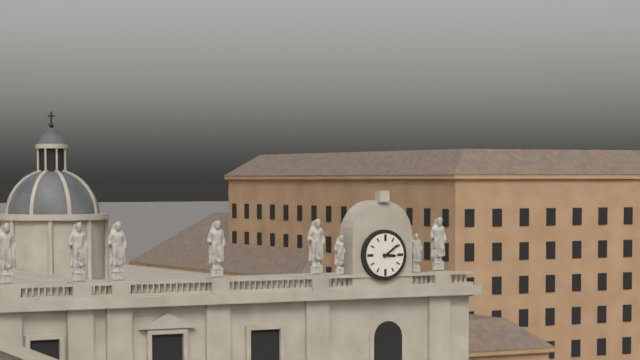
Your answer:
**3:09**
